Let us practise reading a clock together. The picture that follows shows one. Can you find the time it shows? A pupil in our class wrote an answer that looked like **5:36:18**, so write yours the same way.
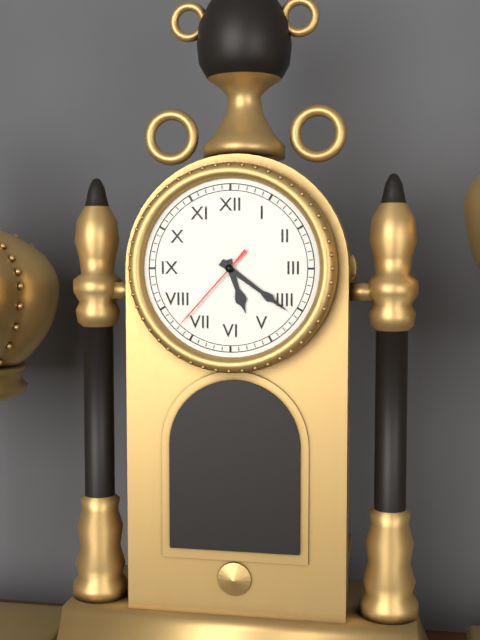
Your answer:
**5:21:37**
